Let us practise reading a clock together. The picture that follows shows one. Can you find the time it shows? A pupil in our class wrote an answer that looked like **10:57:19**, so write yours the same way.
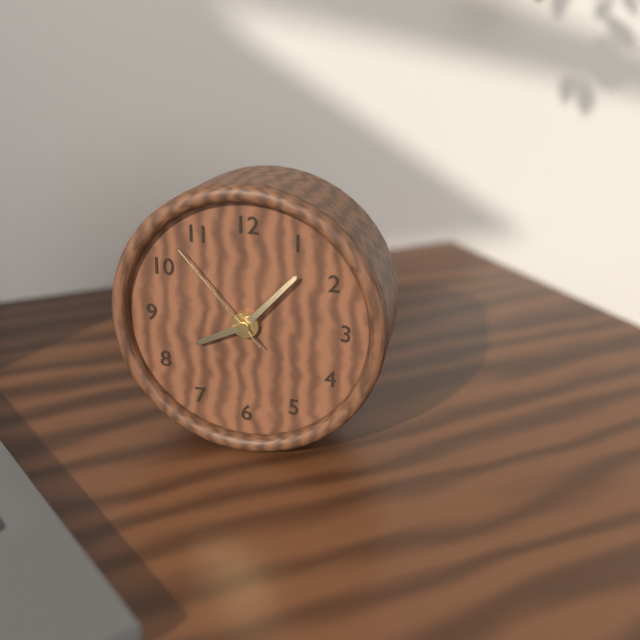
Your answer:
**8:07:53**
